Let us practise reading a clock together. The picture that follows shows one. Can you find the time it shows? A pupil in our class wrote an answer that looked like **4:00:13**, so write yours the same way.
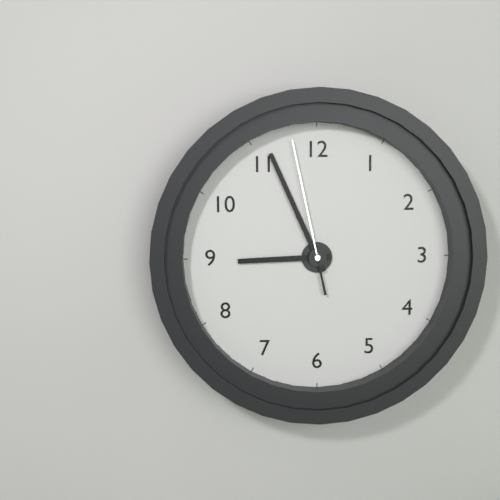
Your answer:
**8:56:58**
